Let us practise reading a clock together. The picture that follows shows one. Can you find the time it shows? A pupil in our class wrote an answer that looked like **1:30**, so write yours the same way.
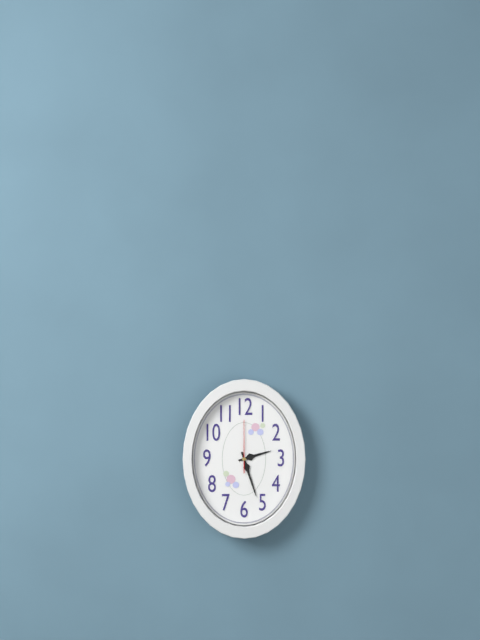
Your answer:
**2:27**
